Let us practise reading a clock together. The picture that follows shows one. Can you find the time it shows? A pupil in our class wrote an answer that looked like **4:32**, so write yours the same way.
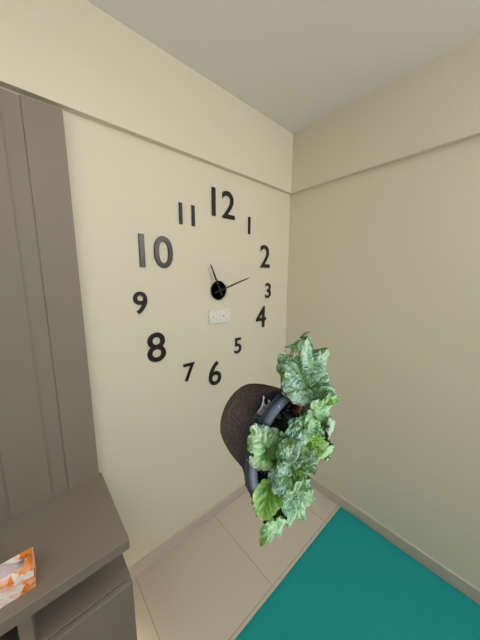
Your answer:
**11:12**
